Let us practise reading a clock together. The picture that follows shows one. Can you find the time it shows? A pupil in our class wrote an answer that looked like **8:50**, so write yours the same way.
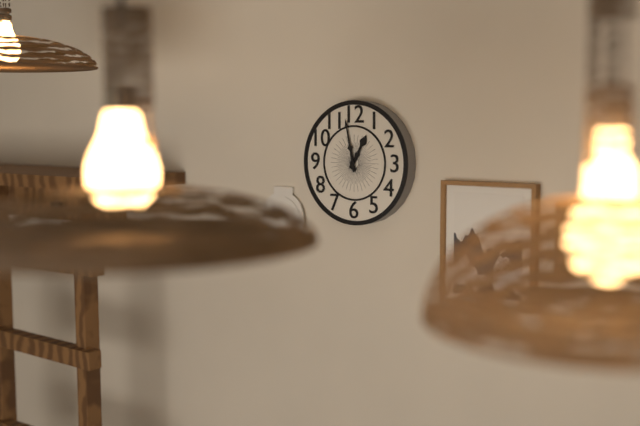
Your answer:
**12:58**
